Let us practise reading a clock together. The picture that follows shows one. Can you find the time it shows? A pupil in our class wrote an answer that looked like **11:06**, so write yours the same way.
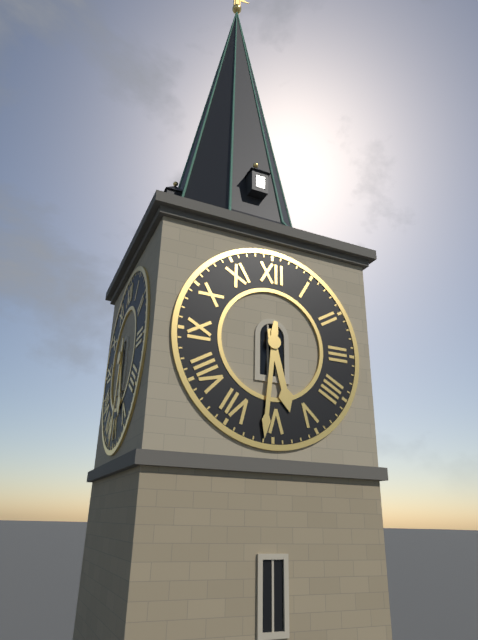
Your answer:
**5:31**
